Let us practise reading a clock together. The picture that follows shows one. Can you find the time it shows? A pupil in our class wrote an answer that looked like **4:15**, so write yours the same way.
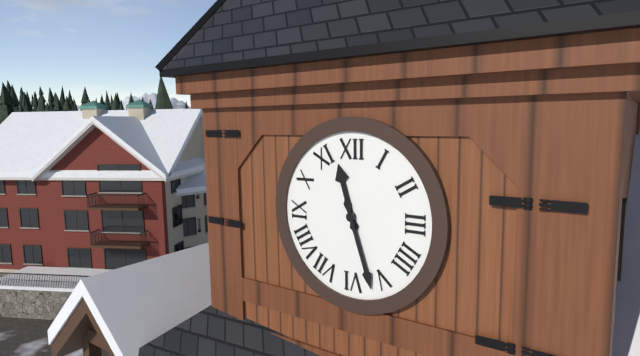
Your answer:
**11:27**
